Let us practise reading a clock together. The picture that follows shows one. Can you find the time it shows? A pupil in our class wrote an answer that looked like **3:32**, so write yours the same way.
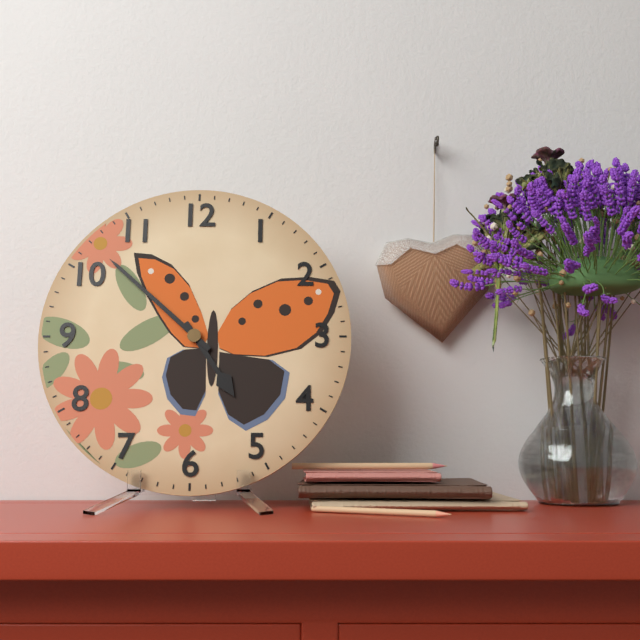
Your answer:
**4:52**
